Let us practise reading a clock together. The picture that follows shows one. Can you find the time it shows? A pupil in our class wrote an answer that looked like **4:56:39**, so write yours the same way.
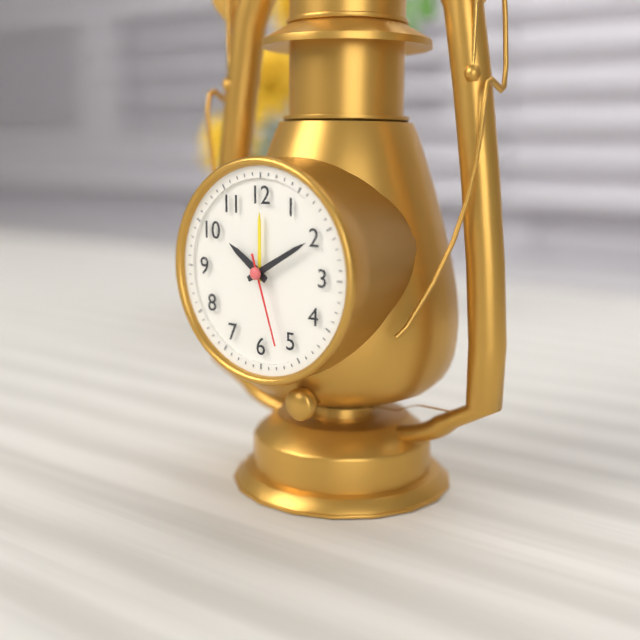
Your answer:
**10:10:27**
